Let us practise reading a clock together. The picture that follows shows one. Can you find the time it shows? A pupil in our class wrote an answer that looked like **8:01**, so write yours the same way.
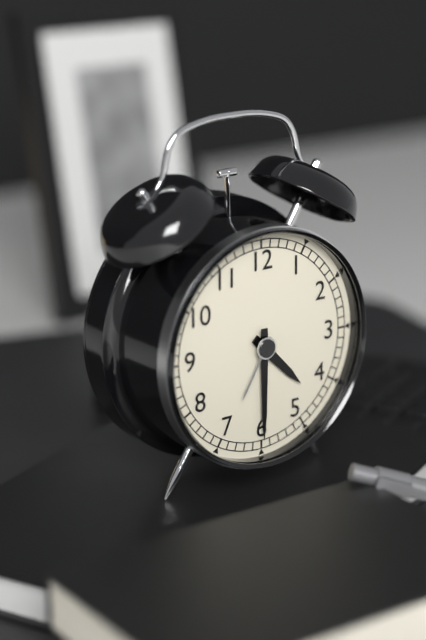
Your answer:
**4:30**
